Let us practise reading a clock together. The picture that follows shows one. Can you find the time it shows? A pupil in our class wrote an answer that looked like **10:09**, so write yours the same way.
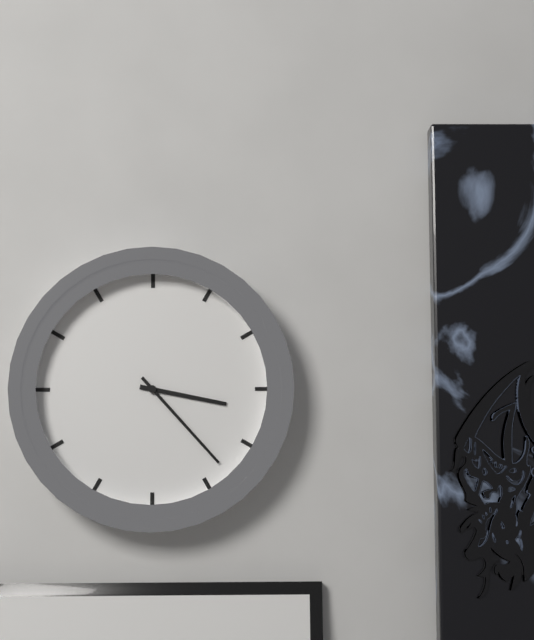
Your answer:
**3:23**
